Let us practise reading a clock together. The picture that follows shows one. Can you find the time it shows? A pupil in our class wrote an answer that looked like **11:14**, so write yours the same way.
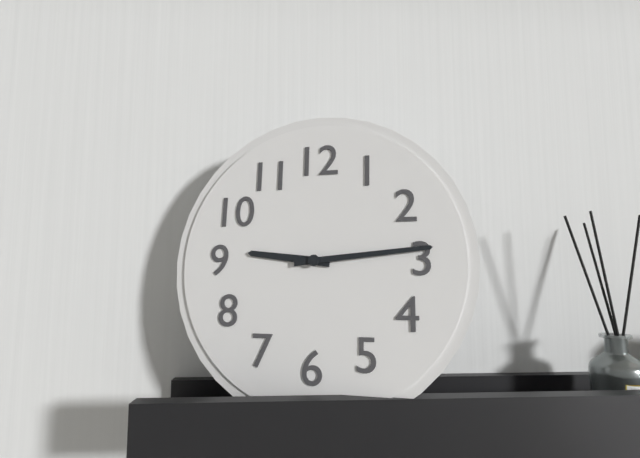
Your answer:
**9:14**
